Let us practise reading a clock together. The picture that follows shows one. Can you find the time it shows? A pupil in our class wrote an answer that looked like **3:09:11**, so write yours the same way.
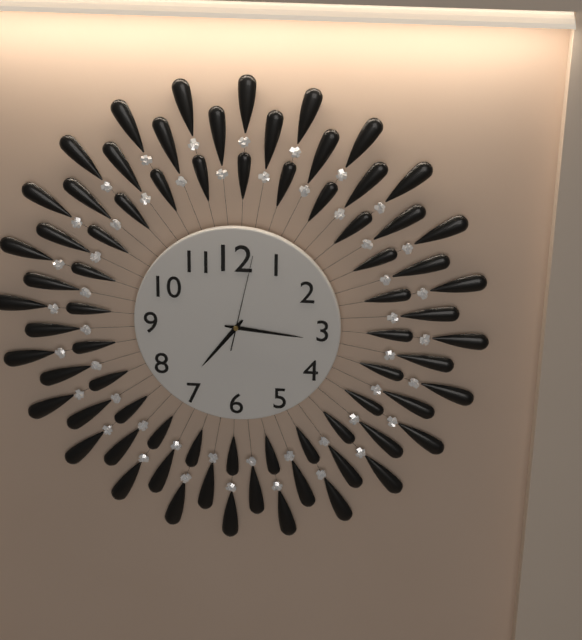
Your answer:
**7:16:02**
